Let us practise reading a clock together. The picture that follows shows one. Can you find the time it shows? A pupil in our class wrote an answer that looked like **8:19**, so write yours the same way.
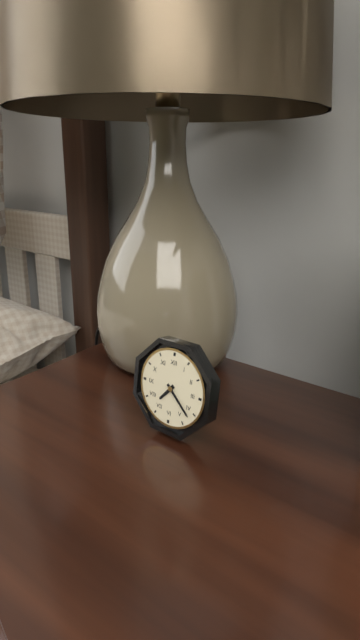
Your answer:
**7:22**
